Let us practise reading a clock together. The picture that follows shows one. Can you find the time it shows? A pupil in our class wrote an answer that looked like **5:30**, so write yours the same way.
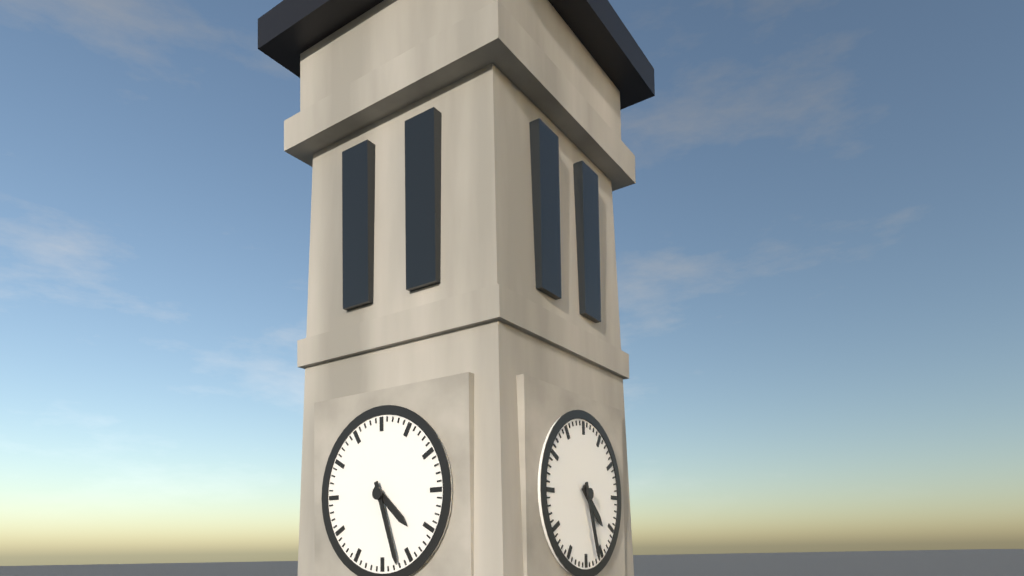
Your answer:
**4:27**
